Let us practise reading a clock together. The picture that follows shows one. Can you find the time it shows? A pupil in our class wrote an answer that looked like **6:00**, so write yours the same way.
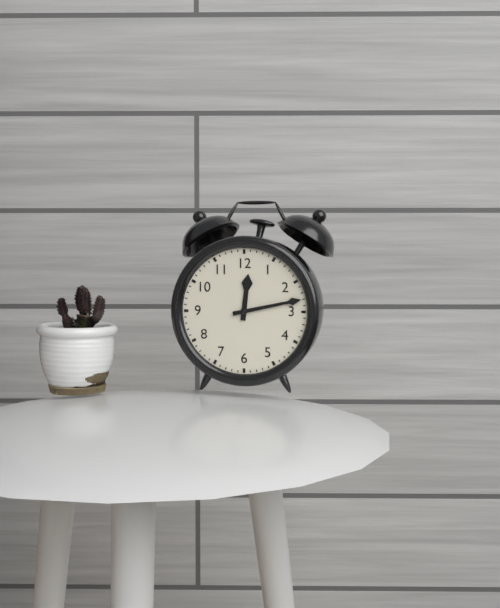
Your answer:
**12:13**
